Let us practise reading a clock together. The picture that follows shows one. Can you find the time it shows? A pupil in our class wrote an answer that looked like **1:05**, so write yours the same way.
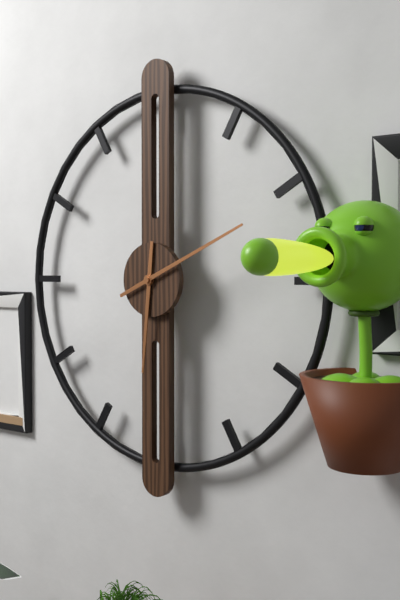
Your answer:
**6:11**
